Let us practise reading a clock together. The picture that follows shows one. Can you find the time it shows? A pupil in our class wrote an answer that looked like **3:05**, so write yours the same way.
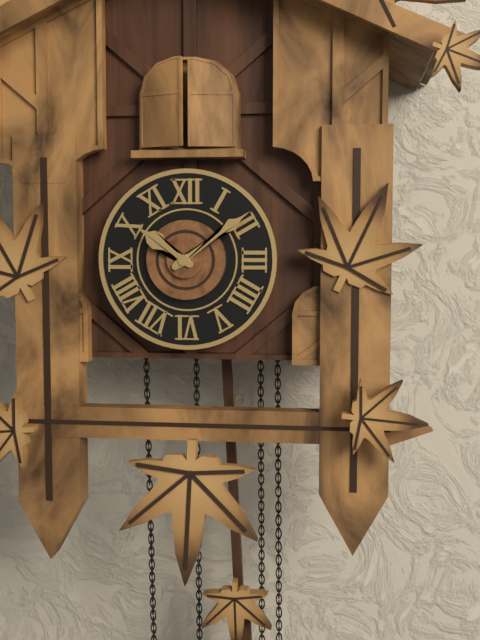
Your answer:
**10:09**
